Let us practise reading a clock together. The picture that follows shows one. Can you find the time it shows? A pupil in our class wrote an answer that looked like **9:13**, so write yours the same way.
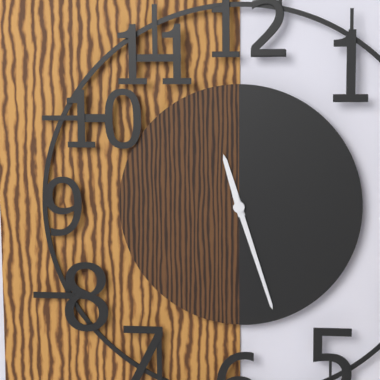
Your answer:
**11:27**
